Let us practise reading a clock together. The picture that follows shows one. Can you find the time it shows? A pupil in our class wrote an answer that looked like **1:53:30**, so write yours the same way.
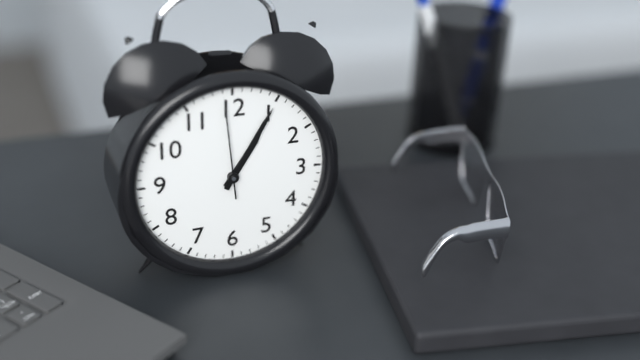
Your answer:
**1:05:59**
